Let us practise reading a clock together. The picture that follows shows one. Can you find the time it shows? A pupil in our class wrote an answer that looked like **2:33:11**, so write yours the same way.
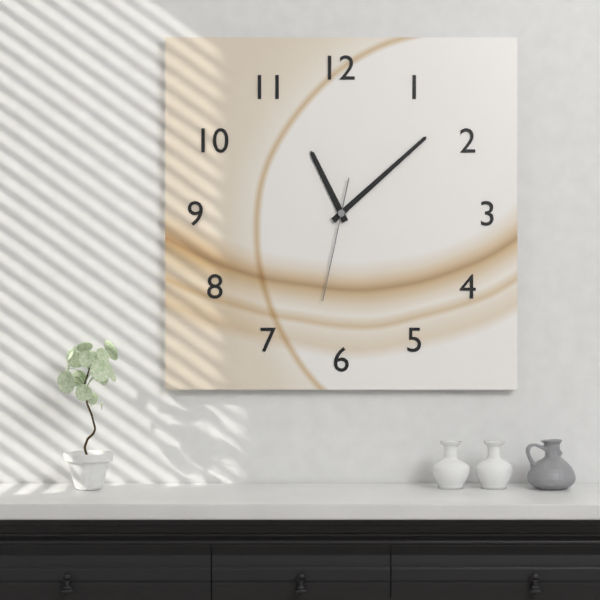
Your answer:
**11:08:32**
